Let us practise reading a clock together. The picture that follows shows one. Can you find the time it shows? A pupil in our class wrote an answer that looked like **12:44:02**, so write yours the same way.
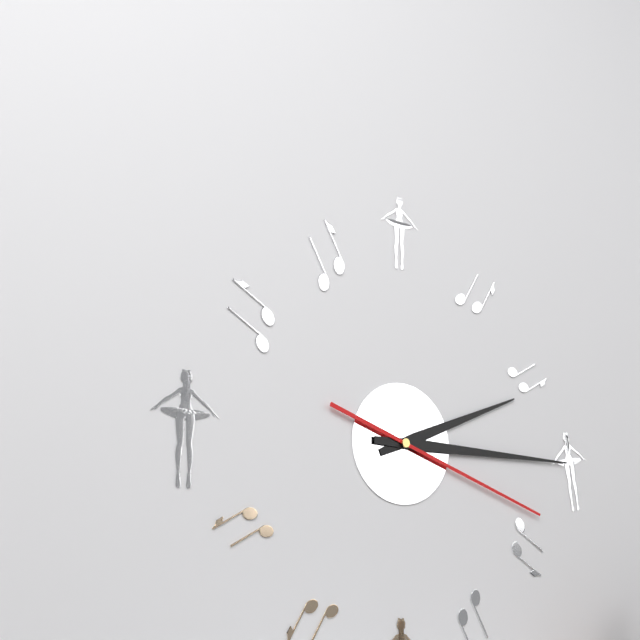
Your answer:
**2:15:18**
